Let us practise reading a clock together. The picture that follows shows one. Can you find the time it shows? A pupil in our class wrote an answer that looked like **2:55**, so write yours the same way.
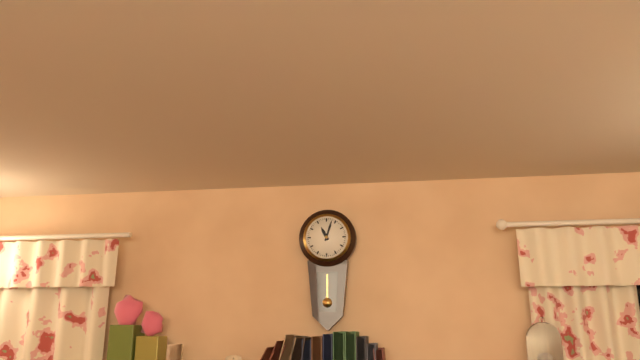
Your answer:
**11:03**
